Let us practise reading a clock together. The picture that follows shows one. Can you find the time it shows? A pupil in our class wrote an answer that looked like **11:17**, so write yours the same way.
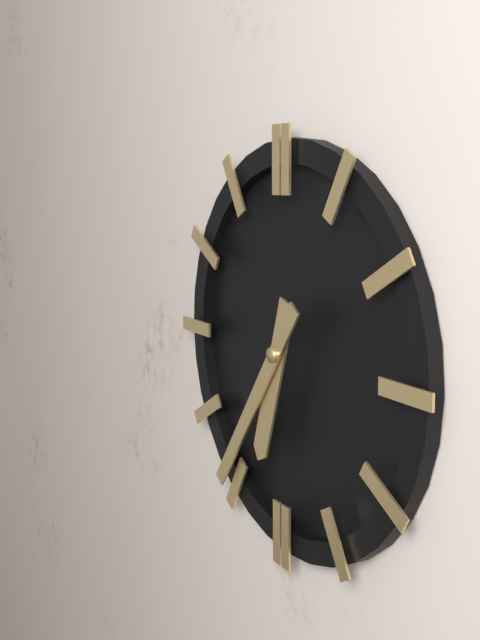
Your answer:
**6:36**
